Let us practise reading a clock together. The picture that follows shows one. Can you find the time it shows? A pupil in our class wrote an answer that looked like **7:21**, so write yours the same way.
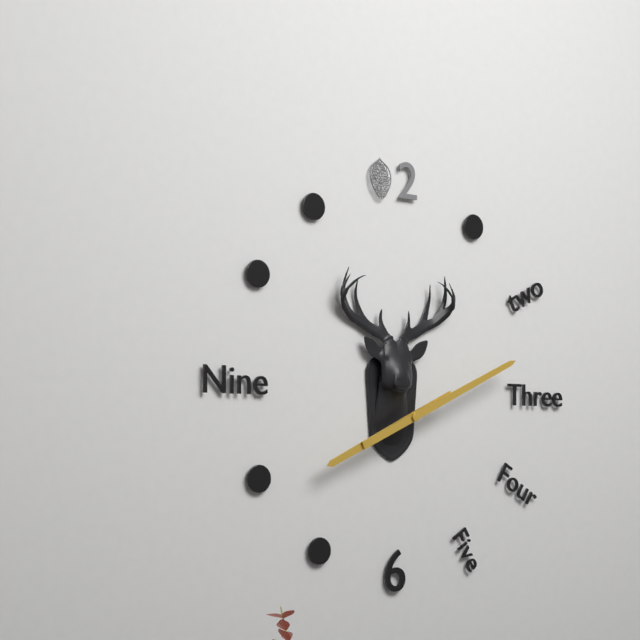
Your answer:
**8:11**
